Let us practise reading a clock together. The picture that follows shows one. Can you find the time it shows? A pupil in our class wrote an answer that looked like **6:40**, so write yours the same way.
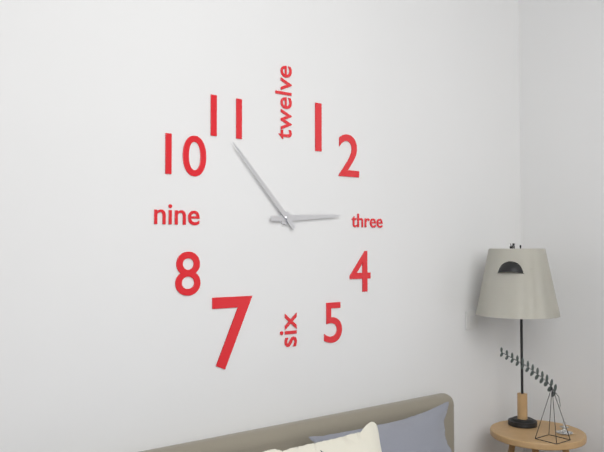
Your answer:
**2:53**
